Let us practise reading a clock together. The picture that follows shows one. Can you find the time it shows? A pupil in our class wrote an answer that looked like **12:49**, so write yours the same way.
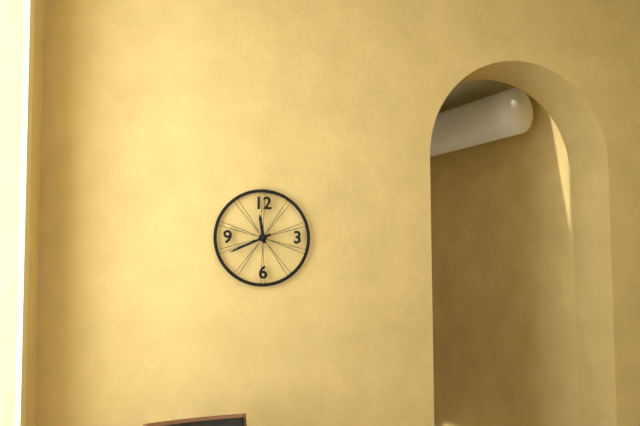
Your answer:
**11:41**
